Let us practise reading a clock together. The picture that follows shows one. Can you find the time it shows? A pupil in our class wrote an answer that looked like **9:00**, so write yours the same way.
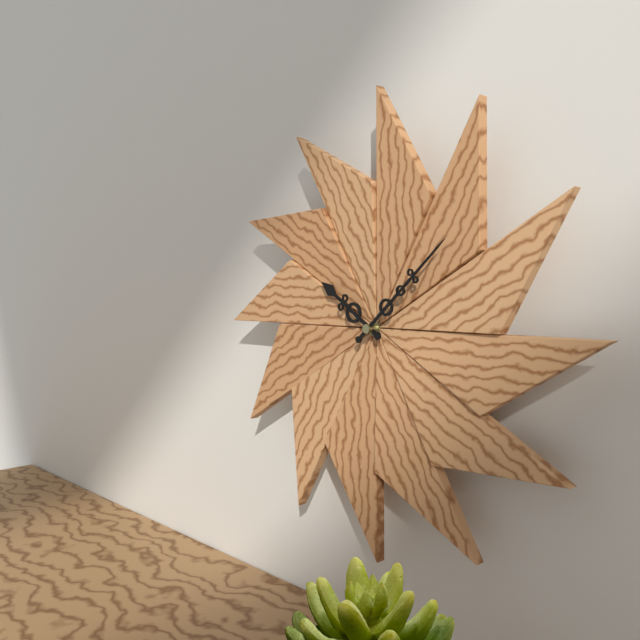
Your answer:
**10:08**
